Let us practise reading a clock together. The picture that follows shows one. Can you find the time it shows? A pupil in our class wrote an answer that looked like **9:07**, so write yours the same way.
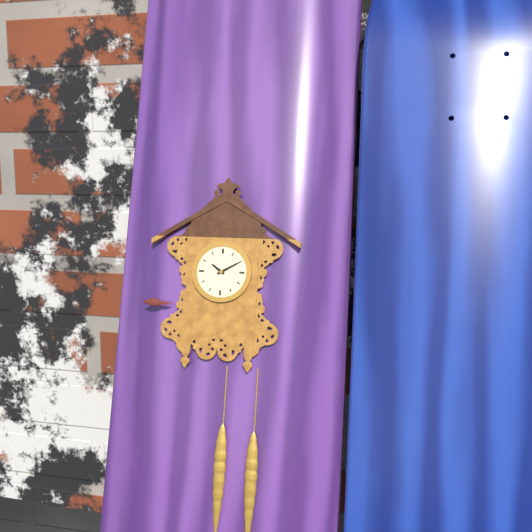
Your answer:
**10:10**
